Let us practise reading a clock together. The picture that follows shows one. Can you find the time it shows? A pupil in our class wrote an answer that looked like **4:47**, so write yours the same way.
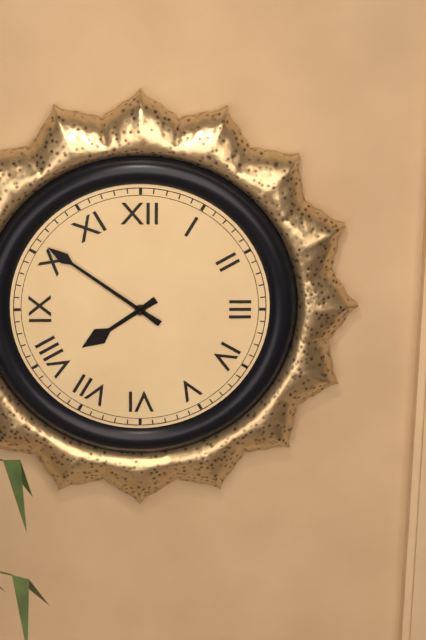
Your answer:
**7:51**
